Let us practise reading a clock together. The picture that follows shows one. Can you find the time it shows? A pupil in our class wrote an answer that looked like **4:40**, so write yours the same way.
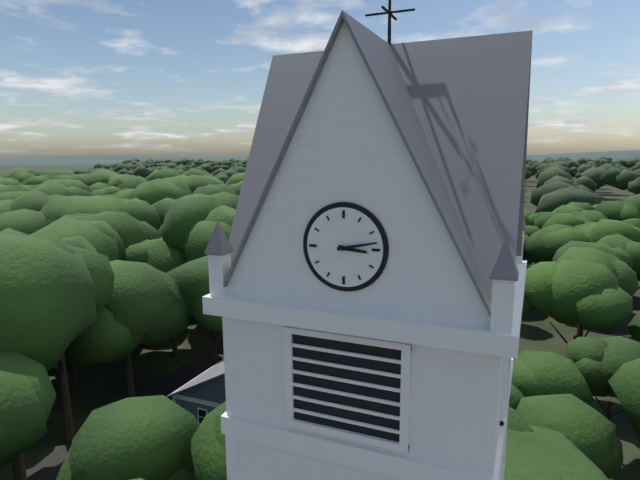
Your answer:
**3:13**
